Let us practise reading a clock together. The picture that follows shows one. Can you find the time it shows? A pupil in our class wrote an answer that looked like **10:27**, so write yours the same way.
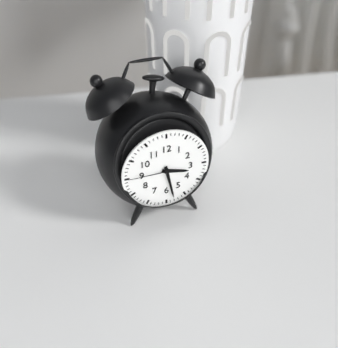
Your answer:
**3:28**
